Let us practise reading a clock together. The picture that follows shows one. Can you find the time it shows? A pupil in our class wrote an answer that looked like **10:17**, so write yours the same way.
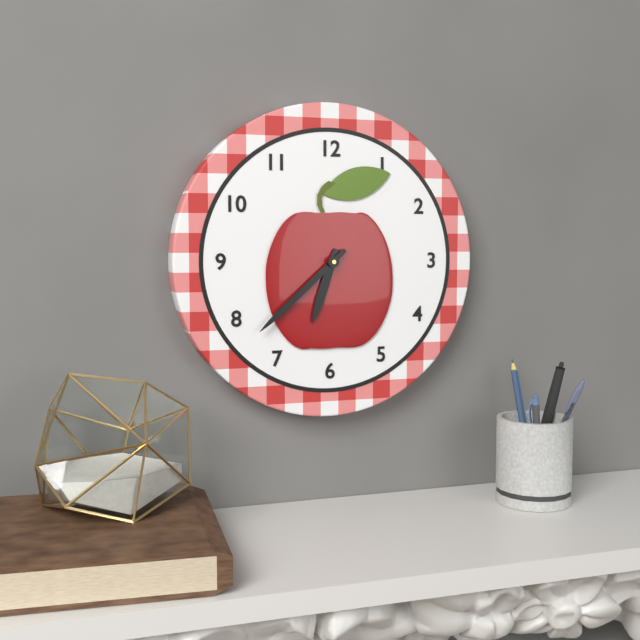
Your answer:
**6:38**
